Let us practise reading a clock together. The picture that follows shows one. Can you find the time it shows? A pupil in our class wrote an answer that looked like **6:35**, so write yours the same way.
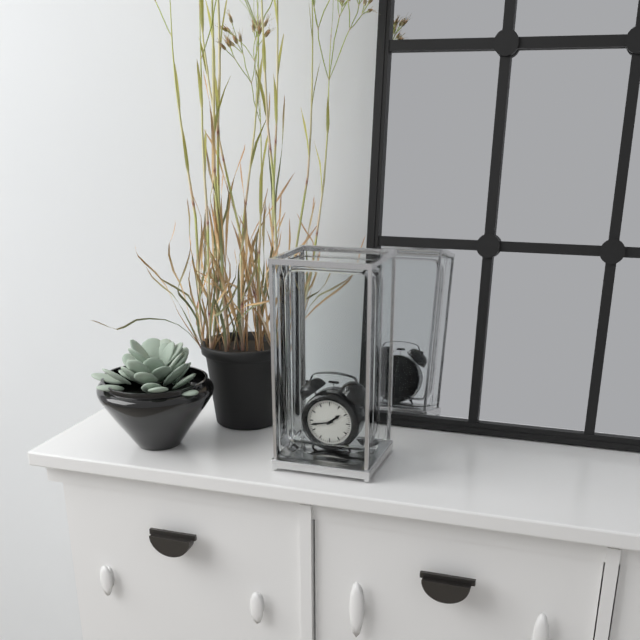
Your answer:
**1:43**
